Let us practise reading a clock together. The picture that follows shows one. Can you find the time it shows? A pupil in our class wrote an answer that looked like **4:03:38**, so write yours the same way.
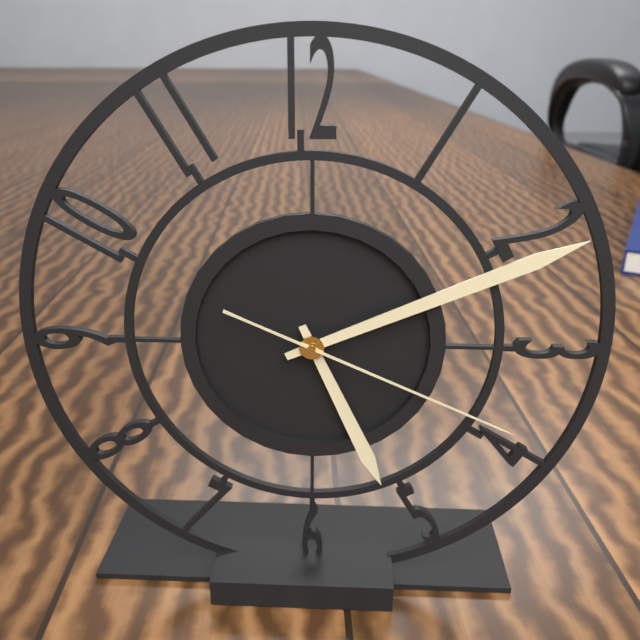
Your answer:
**5:11:19**
